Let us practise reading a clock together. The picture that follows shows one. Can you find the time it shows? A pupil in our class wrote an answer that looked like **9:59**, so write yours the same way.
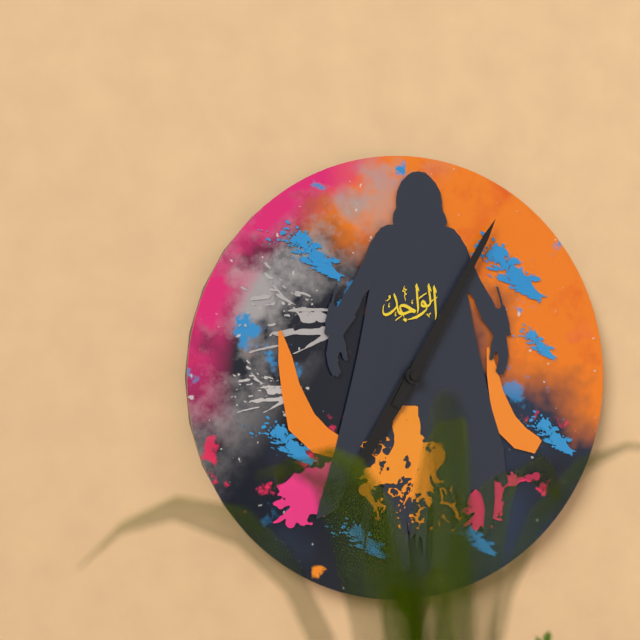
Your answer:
**7:05**
